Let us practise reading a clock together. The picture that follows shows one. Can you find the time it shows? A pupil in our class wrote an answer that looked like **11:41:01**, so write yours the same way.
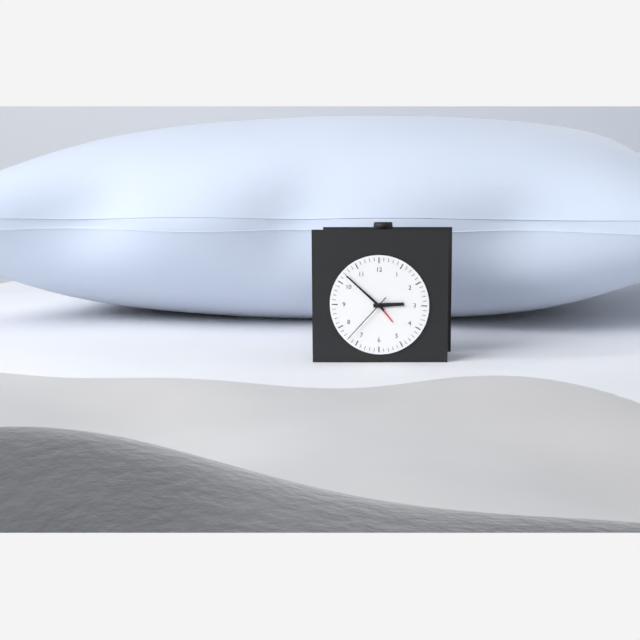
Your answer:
**2:52:37**
